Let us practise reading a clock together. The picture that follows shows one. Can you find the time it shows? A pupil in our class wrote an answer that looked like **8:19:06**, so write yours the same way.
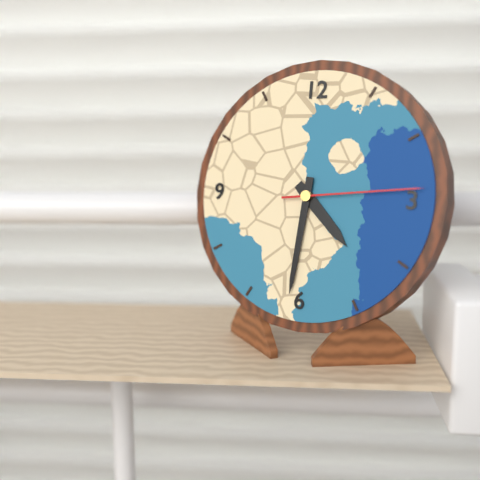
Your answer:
**4:31:14**
